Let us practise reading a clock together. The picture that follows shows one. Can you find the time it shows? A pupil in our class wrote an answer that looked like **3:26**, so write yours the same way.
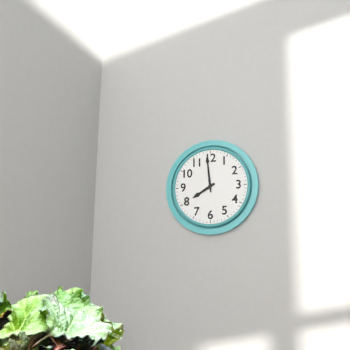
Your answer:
**7:59**
